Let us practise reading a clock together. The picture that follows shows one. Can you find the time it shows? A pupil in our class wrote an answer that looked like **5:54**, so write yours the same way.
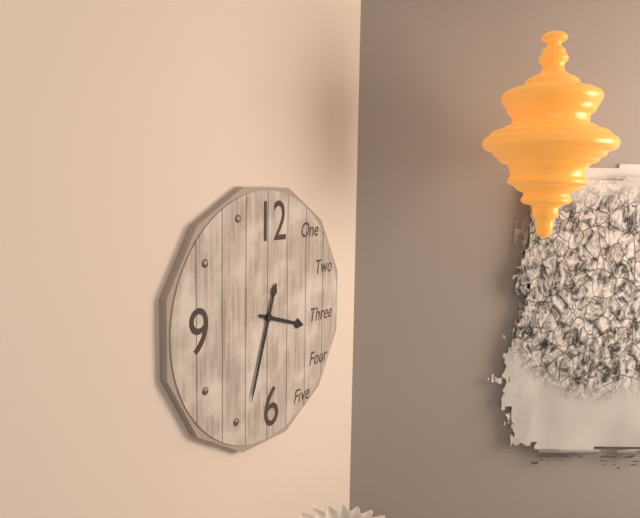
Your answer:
**3:33**
